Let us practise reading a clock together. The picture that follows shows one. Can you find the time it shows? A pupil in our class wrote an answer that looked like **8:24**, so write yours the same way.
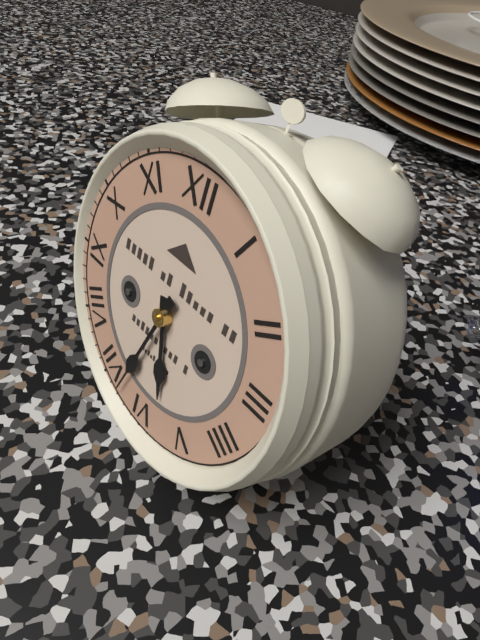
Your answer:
**5:33**
